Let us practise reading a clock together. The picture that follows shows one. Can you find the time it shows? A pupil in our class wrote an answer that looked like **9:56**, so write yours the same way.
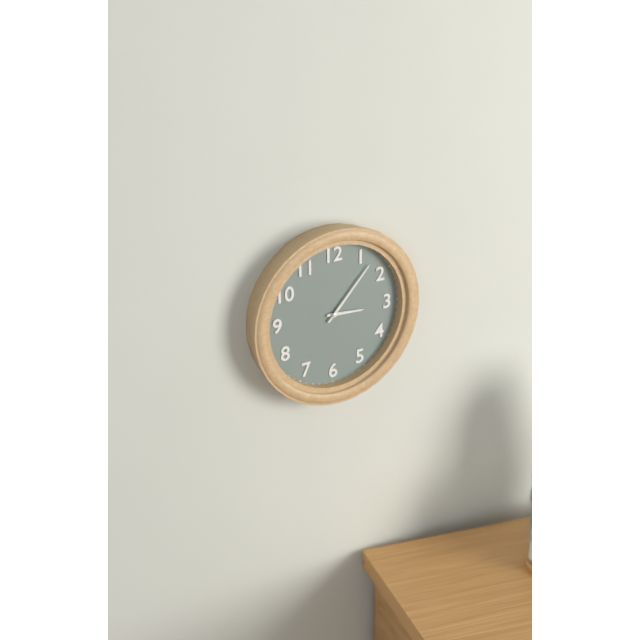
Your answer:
**3:07**
